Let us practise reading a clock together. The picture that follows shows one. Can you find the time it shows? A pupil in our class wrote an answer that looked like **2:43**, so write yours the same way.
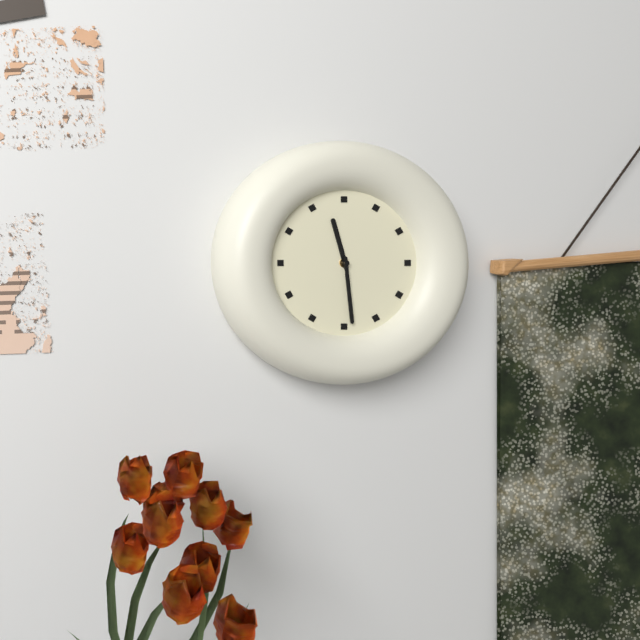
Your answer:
**11:29**
